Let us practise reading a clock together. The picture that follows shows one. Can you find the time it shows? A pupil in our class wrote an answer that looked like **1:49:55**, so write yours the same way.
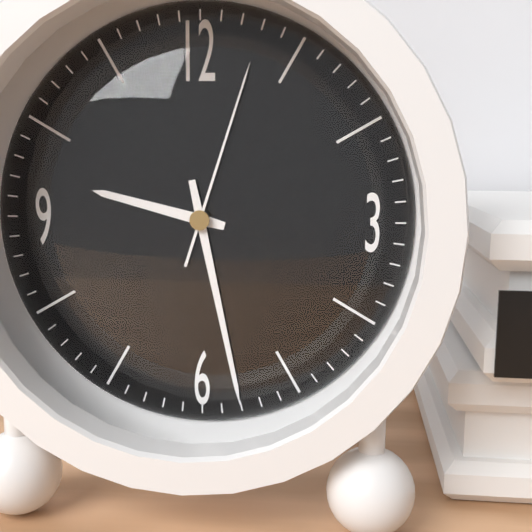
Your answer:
**9:28:03**
